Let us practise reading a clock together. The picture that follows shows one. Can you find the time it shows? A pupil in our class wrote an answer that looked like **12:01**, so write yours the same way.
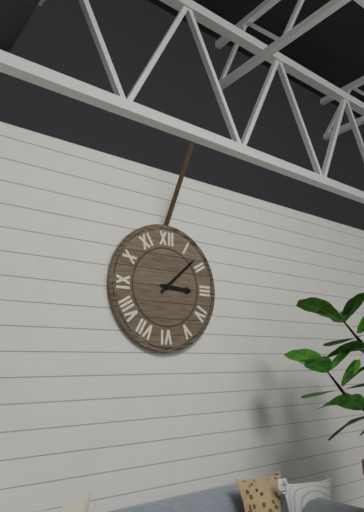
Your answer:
**3:08**
